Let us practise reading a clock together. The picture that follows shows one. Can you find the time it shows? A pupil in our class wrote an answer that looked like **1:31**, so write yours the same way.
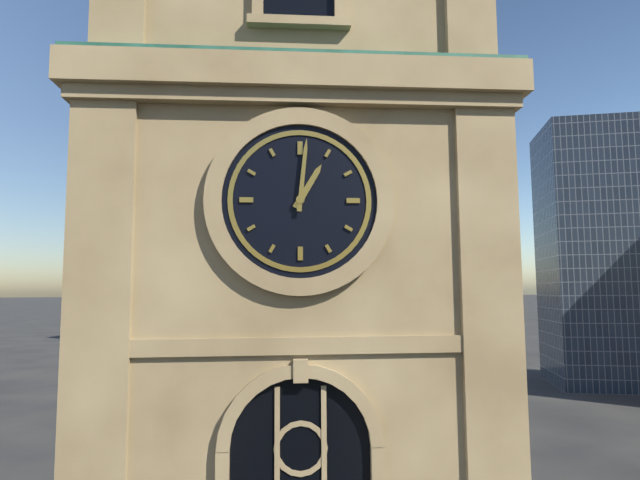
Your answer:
**1:01**
